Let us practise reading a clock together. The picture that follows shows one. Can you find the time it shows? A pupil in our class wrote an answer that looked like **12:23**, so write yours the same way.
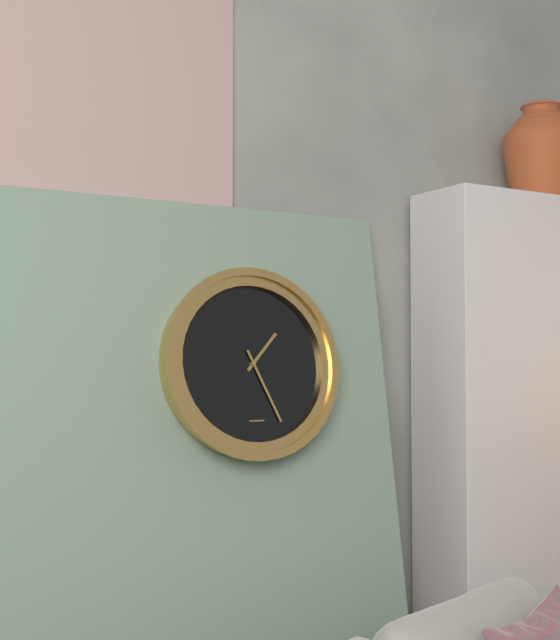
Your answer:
**1:26**
